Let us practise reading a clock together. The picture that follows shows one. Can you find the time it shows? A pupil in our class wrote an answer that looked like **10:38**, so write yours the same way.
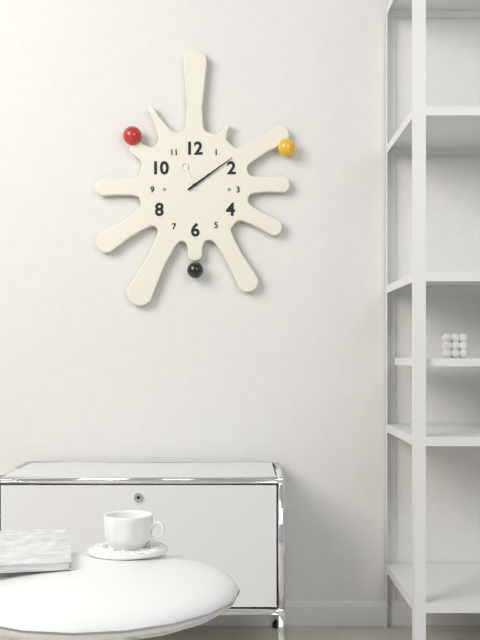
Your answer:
**11:09**
